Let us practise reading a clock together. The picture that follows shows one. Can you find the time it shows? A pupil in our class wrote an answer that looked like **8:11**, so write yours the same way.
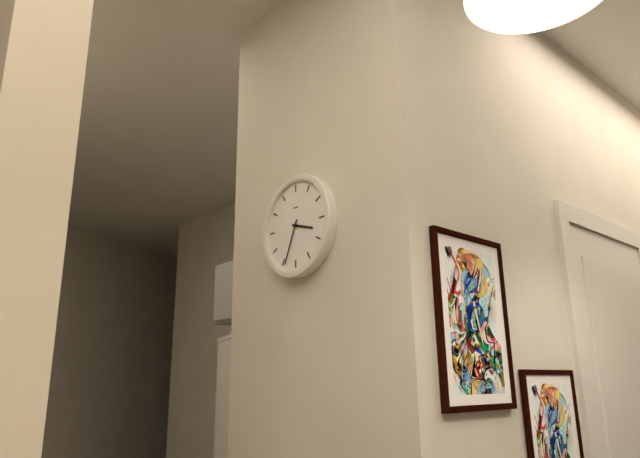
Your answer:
**3:34**
